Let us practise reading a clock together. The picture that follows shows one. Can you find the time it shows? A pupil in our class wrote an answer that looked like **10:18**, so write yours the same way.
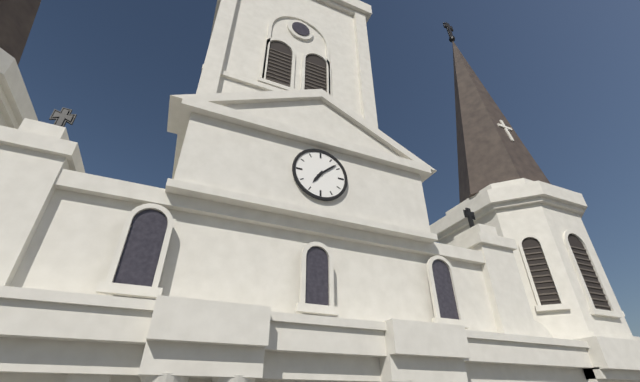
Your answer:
**7:08**
